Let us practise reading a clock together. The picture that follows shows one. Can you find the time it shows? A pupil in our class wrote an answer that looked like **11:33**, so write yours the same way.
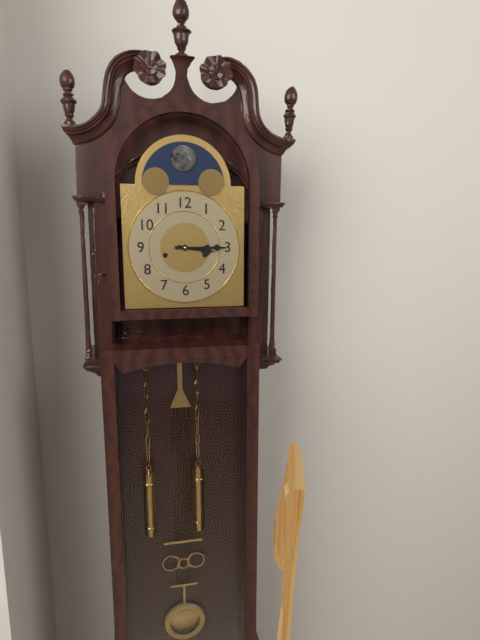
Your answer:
**3:15**
